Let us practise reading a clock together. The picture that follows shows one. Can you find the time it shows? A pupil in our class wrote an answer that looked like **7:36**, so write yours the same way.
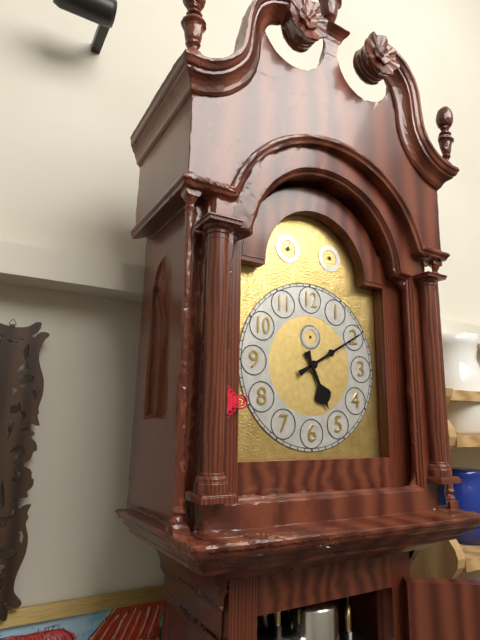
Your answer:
**5:10**
